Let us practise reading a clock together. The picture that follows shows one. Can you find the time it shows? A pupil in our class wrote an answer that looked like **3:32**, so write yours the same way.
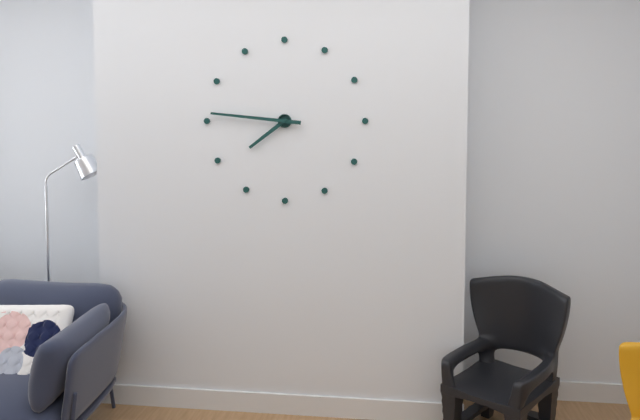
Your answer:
**7:46**
